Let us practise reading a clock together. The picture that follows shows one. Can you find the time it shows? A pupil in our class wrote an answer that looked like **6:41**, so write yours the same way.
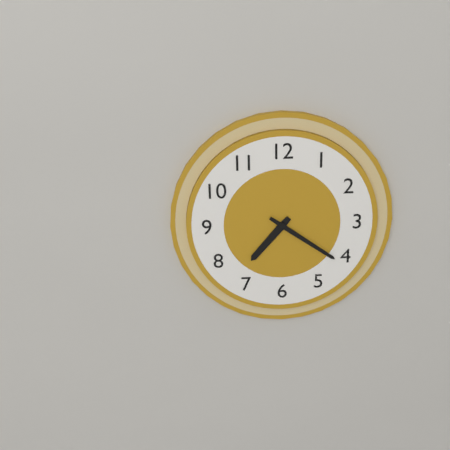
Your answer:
**7:21**
